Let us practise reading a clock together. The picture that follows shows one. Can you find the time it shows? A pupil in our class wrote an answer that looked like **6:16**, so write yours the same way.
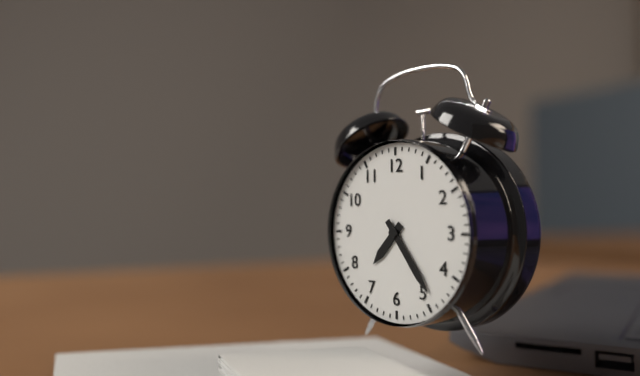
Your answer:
**7:24**
